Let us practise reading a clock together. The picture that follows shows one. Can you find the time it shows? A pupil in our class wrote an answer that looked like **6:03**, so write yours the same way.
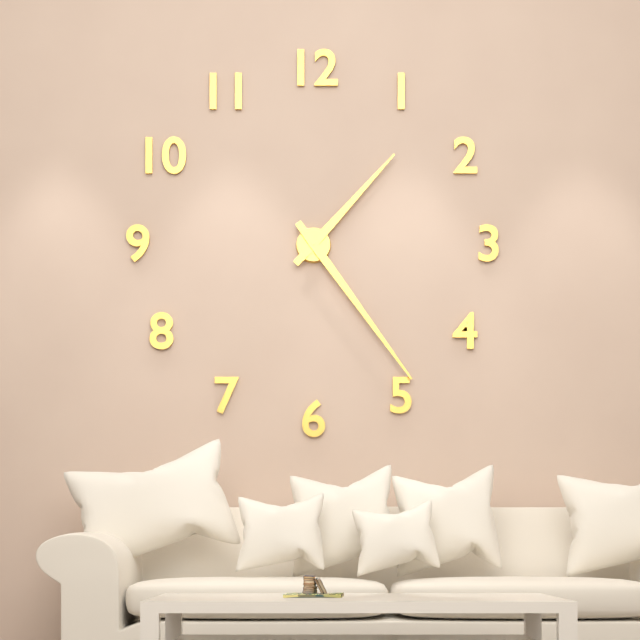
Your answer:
**1:24**
